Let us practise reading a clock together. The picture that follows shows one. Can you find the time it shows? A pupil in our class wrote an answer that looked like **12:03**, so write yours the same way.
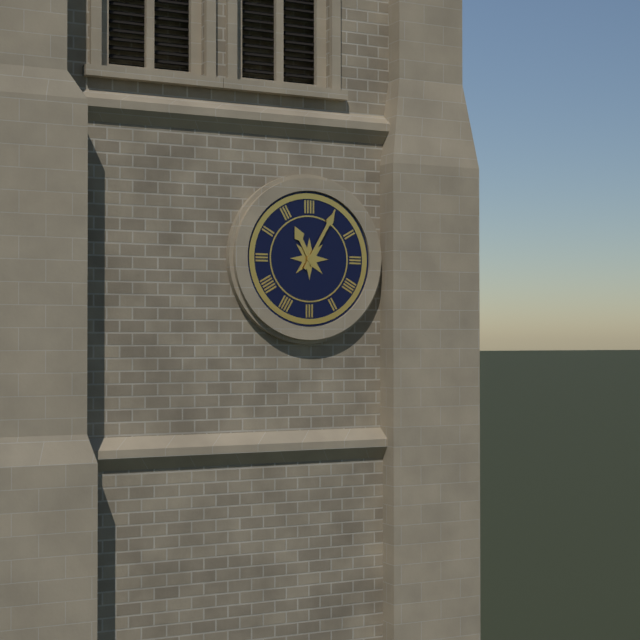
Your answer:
**11:05**
